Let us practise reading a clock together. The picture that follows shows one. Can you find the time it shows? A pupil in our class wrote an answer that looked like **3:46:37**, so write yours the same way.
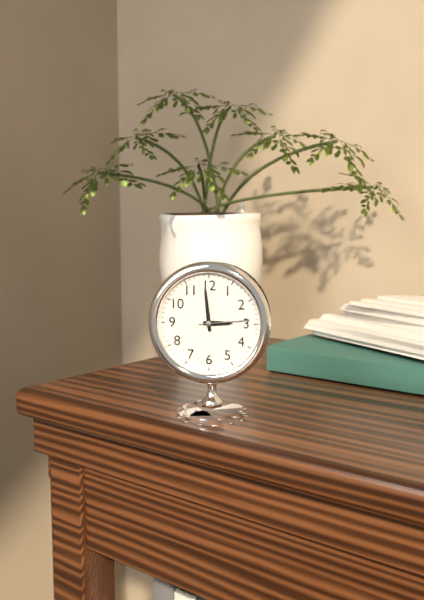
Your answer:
**2:59:14**
